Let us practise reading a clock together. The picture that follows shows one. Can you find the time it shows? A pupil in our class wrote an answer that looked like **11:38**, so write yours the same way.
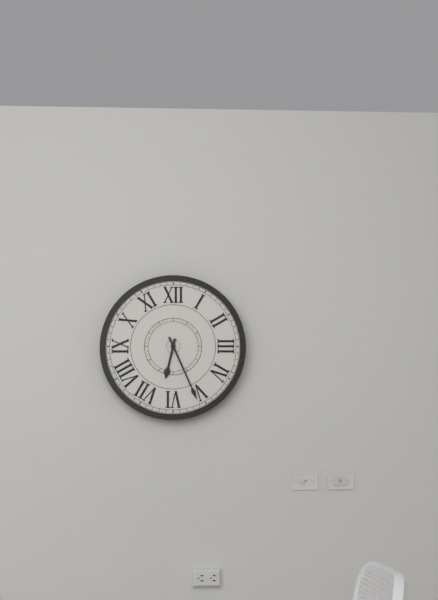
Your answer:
**6:26**
